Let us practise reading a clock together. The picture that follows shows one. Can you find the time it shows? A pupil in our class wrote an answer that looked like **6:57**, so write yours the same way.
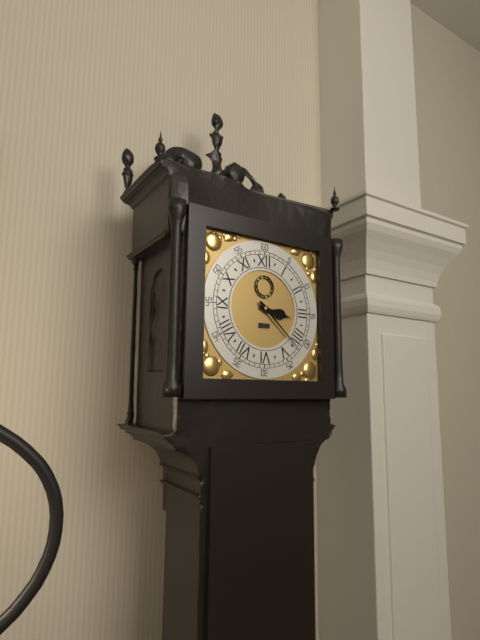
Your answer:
**3:22**
